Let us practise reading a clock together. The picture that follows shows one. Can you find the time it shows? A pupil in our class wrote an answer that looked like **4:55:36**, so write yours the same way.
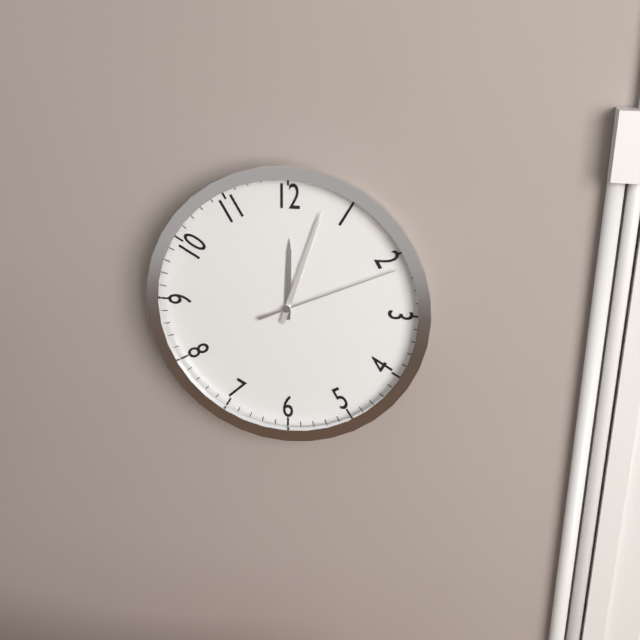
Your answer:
**12:03:11**
